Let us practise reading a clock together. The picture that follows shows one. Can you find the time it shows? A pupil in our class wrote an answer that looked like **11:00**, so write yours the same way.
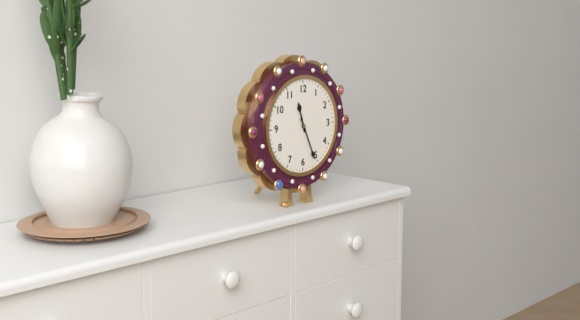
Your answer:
**11:26**
